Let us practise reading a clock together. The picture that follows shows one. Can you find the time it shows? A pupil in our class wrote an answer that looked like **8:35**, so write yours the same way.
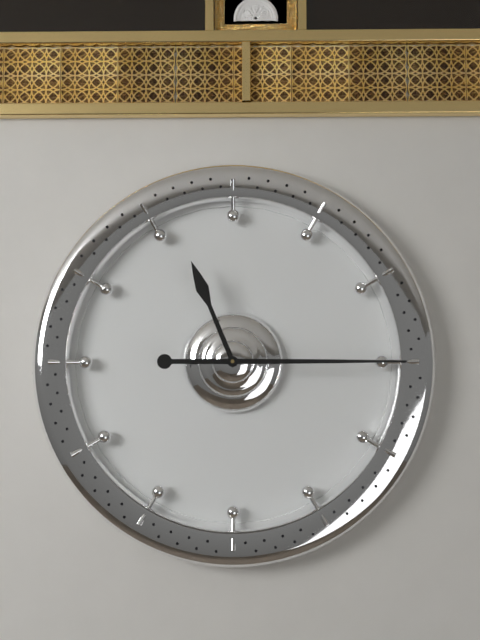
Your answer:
**11:15**
